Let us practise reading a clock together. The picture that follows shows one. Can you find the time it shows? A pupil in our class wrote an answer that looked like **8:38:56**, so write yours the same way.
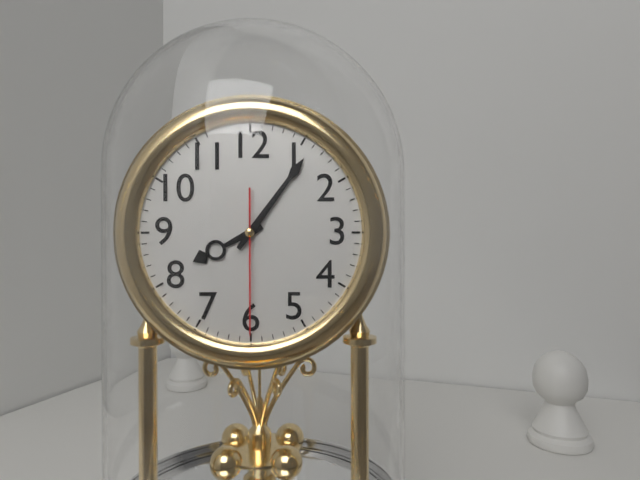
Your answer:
**8:06:30**
